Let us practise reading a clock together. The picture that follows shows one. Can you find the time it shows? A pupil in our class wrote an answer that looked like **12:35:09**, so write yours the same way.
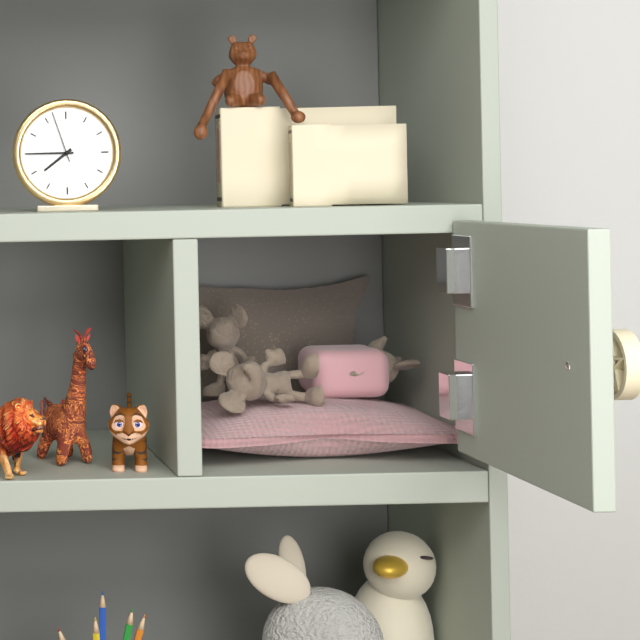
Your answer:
**7:45:57**
